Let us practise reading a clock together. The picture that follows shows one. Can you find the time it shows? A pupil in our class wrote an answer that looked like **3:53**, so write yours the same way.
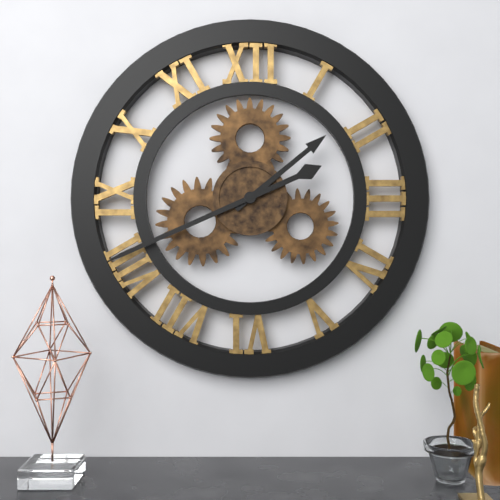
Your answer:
**1:41**
